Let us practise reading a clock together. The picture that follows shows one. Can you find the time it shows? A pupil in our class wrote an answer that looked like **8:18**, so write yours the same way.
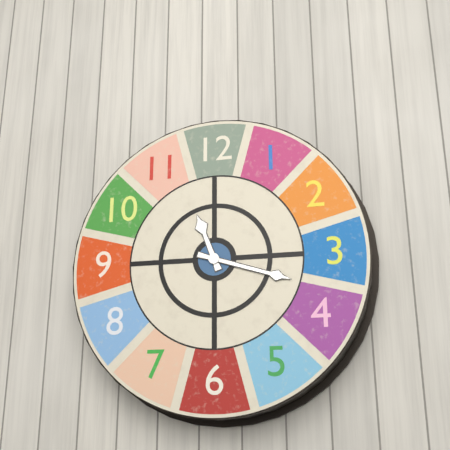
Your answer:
**11:18**
